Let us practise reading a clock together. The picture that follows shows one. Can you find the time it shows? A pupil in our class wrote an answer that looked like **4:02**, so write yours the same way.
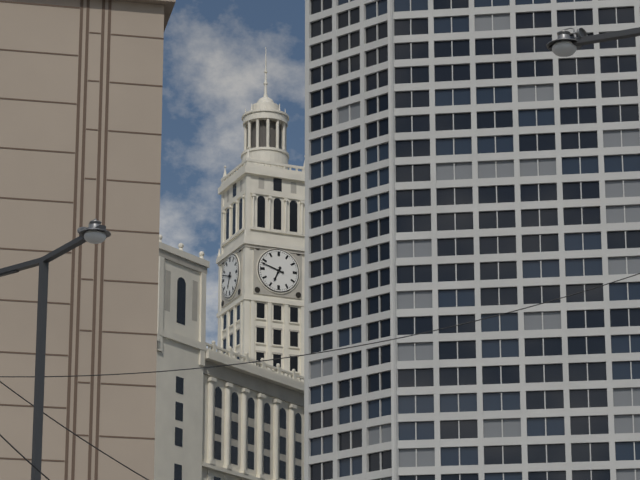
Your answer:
**6:48**
